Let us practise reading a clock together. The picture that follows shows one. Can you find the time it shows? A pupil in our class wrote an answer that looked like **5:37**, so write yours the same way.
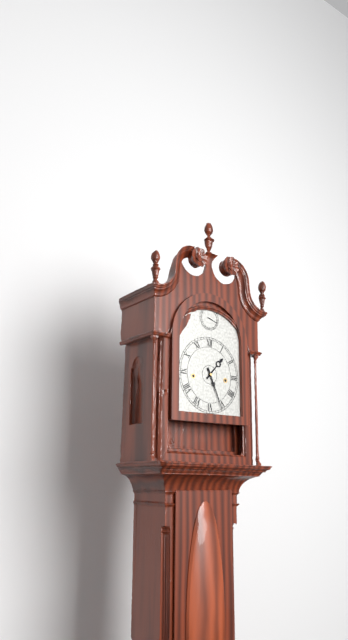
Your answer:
**1:26**
